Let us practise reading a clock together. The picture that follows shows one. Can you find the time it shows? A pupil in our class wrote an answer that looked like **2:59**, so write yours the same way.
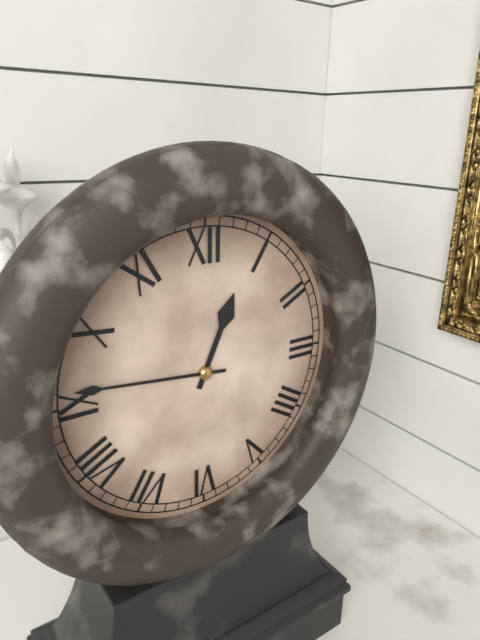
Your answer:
**12:46**
